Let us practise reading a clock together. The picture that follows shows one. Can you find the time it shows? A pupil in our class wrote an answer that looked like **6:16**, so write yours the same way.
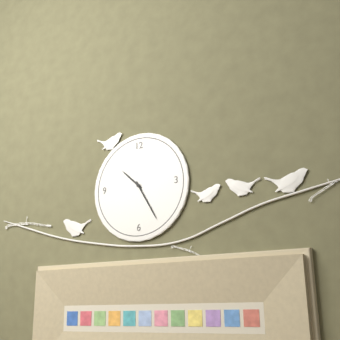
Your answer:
**10:25**
